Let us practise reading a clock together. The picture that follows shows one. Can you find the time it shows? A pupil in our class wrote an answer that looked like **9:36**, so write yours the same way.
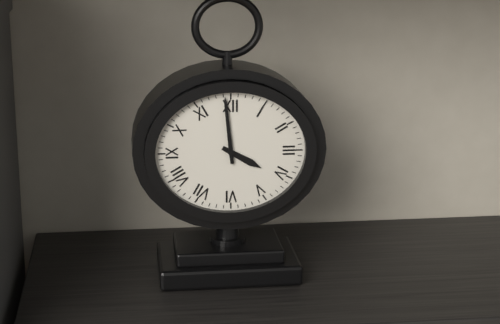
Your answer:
**3:59**
